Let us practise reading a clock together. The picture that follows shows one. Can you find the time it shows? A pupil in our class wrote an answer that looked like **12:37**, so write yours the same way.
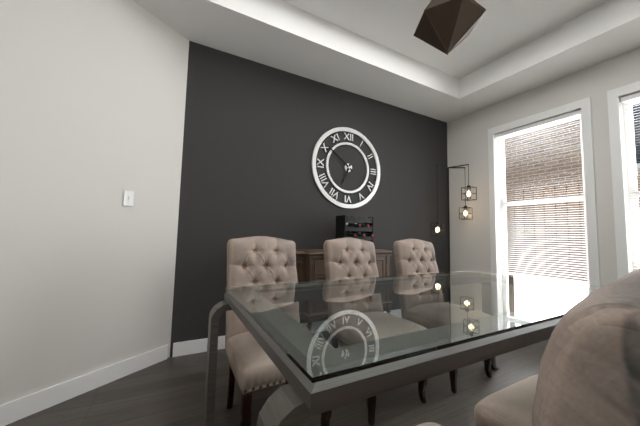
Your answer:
**6:51**
